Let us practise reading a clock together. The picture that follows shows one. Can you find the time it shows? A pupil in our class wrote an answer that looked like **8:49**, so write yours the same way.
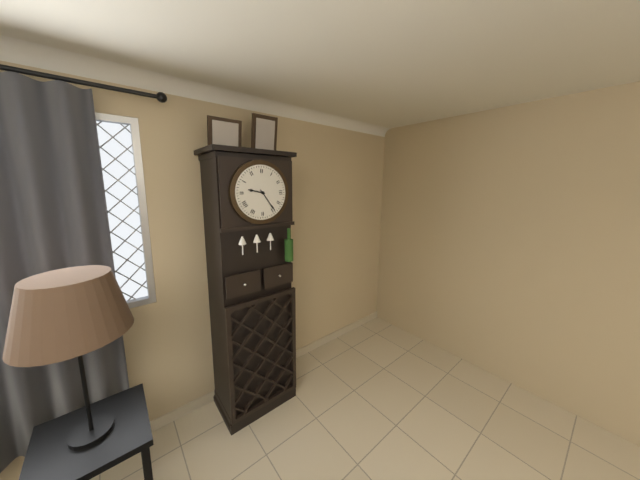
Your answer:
**9:24**
